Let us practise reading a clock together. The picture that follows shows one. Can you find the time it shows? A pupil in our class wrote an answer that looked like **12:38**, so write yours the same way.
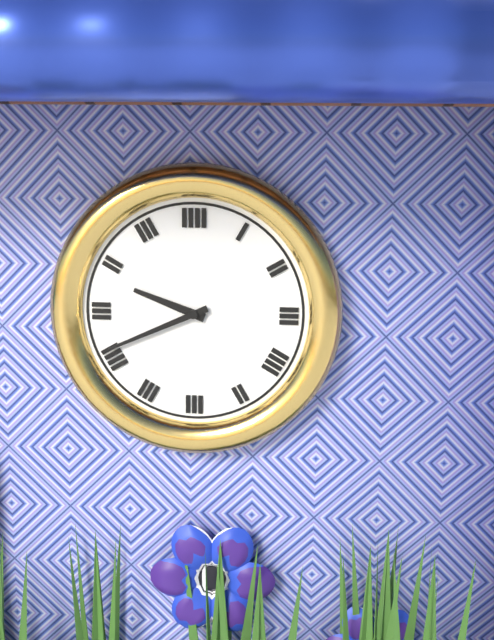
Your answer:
**9:41**
